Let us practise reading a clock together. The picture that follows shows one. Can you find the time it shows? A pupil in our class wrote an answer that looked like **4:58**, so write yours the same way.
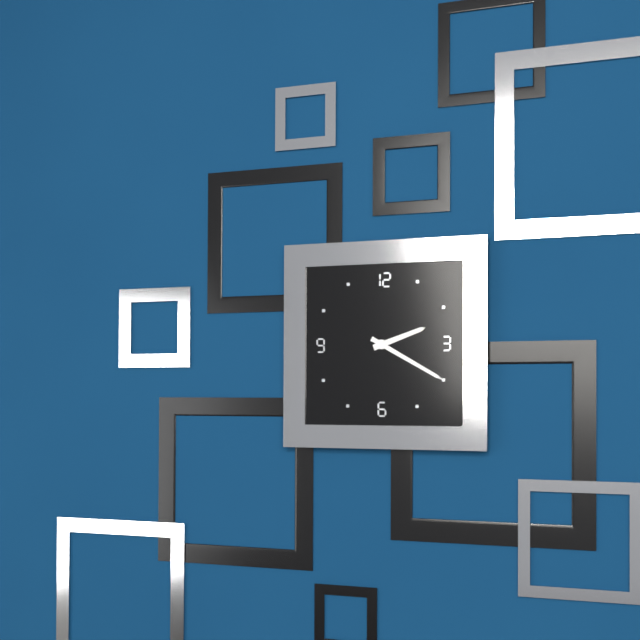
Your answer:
**2:20**
